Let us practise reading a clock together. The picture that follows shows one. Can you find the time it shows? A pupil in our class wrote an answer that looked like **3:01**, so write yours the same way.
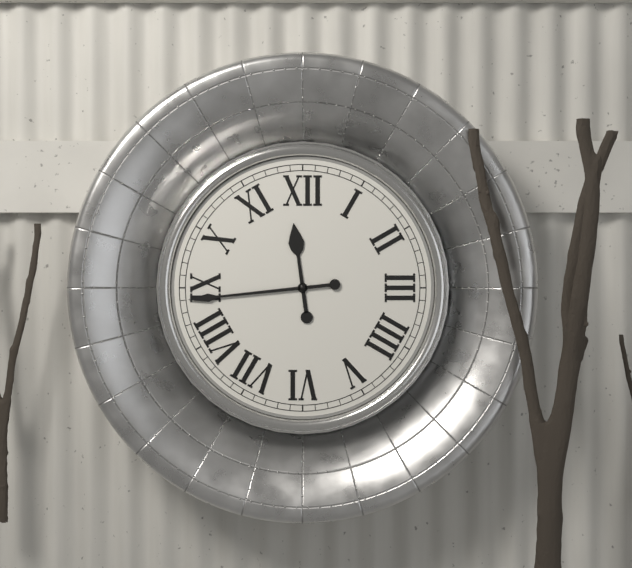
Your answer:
**11:44**
